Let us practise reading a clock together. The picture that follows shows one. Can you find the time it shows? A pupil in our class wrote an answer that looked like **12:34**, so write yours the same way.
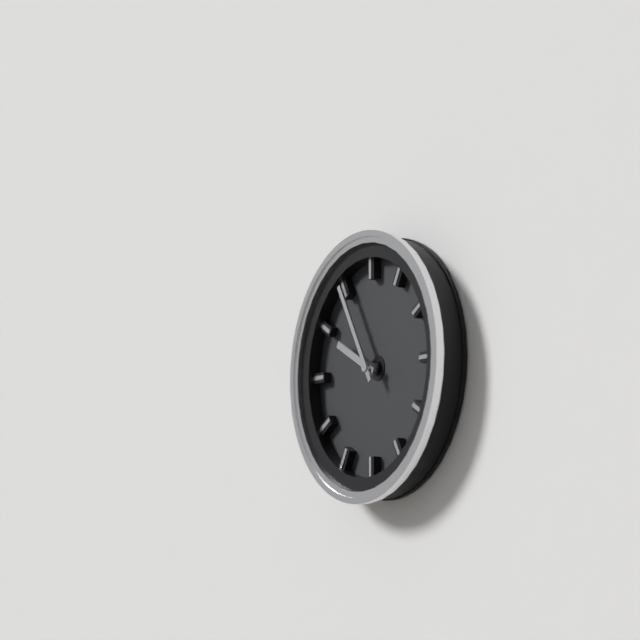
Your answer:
**9:55**
